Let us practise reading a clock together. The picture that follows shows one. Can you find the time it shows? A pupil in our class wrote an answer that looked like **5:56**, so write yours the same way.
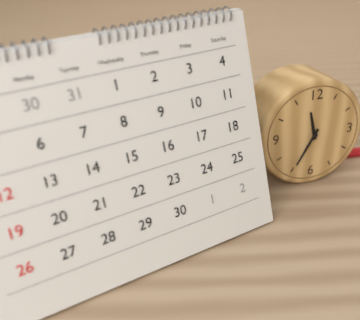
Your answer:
**11:35**
